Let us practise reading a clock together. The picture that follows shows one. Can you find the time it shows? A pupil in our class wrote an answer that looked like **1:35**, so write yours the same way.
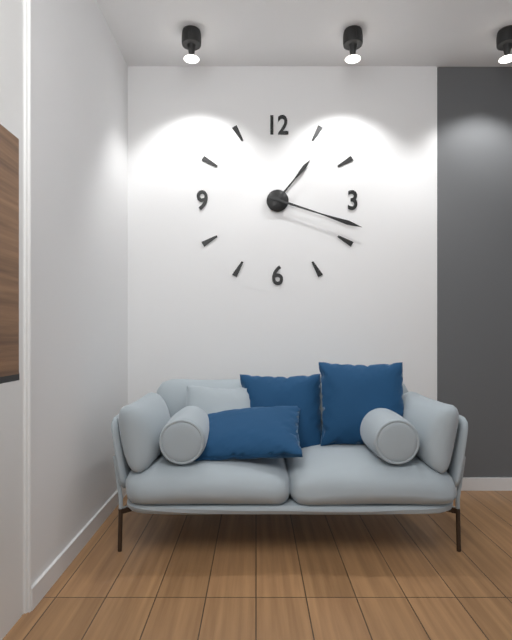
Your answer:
**1:18**
